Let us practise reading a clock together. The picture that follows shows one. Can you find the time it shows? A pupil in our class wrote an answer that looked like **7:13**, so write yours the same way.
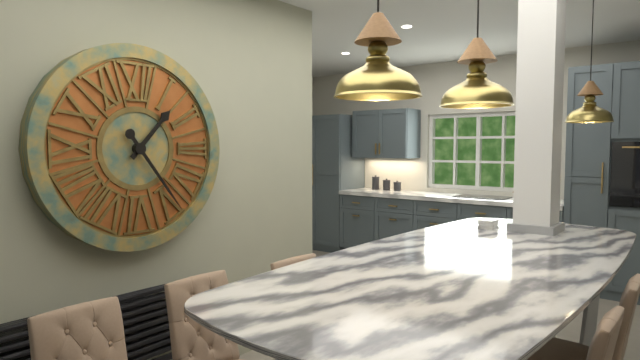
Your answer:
**1:24**
